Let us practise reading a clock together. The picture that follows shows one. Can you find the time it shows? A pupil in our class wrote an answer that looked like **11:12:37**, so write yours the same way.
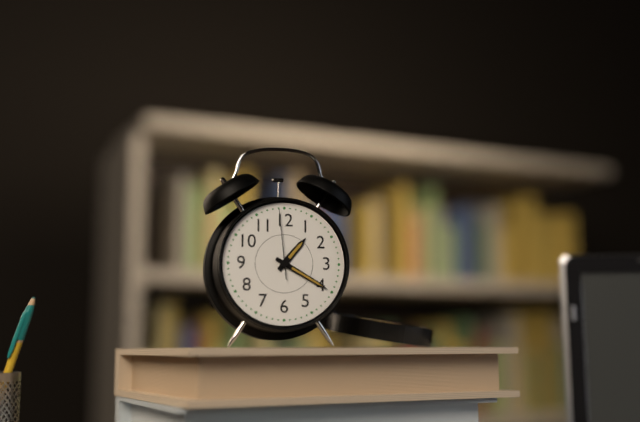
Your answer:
**1:20:59**
